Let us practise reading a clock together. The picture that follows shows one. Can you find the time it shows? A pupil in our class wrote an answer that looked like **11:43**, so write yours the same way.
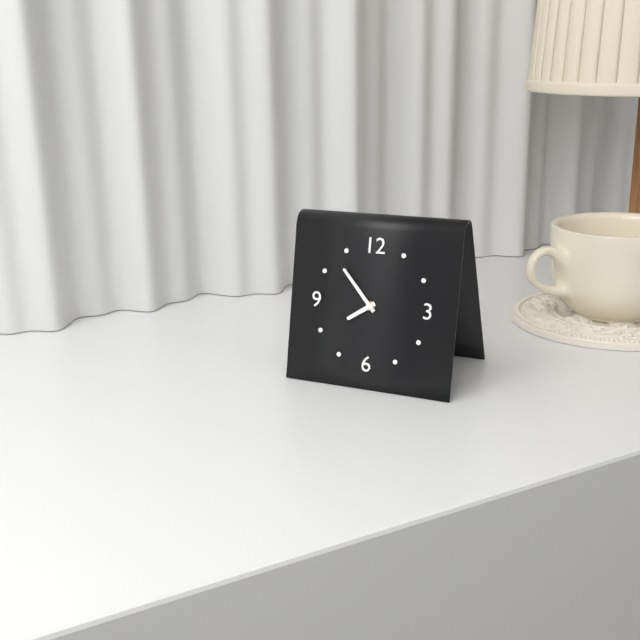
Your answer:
**7:53**
